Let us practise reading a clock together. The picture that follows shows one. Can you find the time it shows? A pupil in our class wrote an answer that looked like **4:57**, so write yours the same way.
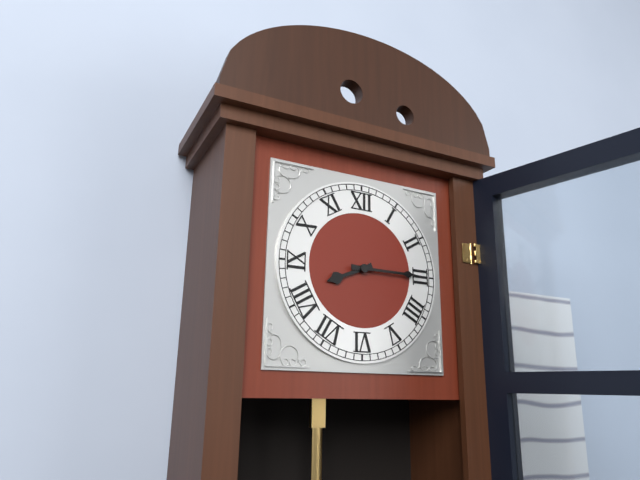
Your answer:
**8:15**
